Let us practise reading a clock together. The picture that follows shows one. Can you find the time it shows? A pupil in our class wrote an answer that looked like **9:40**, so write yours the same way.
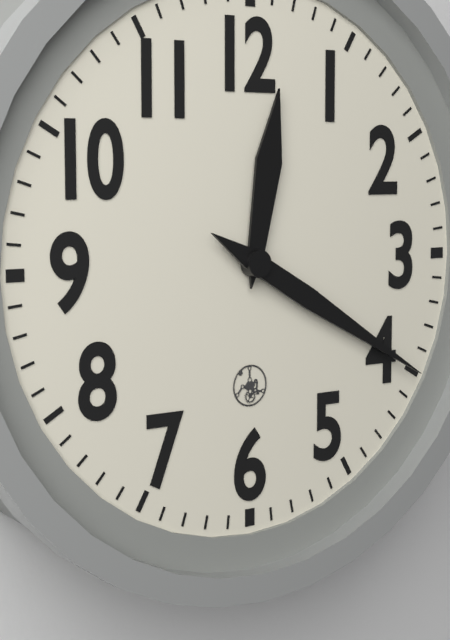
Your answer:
**12:20**
